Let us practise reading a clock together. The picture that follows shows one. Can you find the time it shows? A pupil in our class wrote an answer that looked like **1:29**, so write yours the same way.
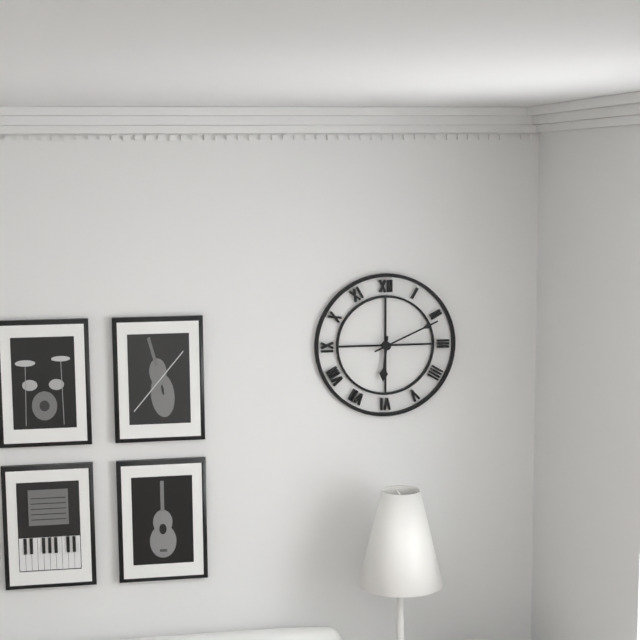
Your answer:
**6:11**
